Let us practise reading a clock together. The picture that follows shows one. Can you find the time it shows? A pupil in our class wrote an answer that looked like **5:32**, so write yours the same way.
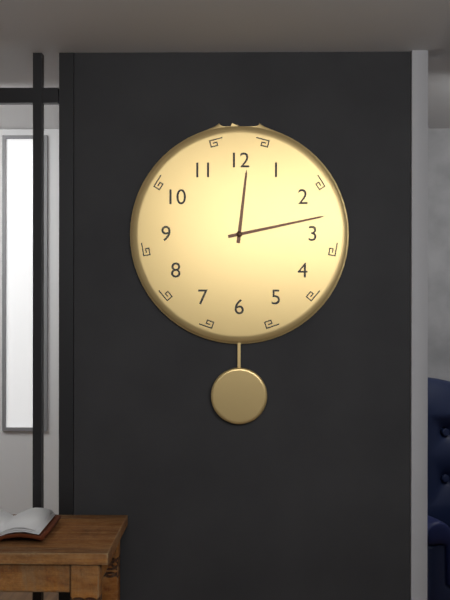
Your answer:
**12:13**
